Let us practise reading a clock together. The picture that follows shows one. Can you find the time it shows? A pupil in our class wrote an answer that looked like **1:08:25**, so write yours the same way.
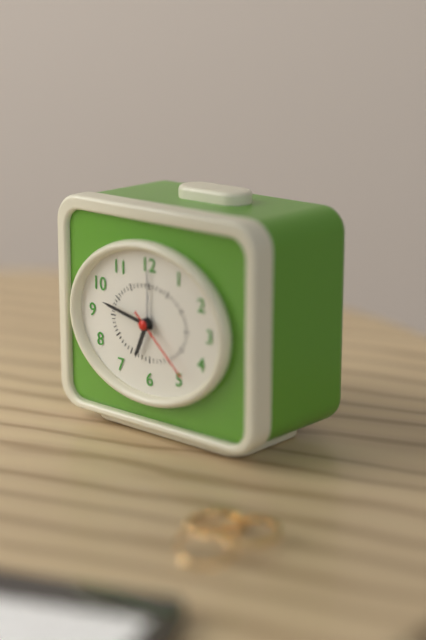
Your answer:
**6:47:22**
